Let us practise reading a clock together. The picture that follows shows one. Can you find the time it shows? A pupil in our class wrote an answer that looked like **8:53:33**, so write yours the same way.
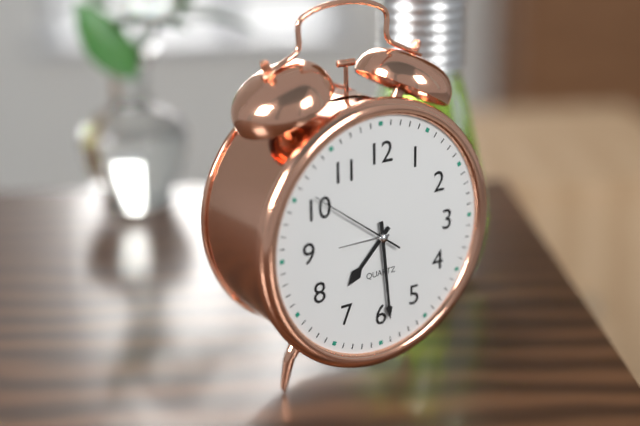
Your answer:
**7:29:51**
